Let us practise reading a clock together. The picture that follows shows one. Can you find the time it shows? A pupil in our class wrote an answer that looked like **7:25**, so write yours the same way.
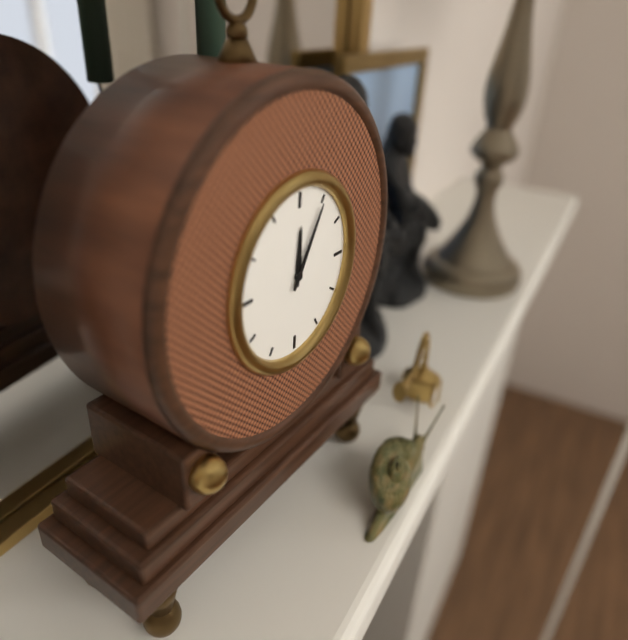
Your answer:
**12:05**
